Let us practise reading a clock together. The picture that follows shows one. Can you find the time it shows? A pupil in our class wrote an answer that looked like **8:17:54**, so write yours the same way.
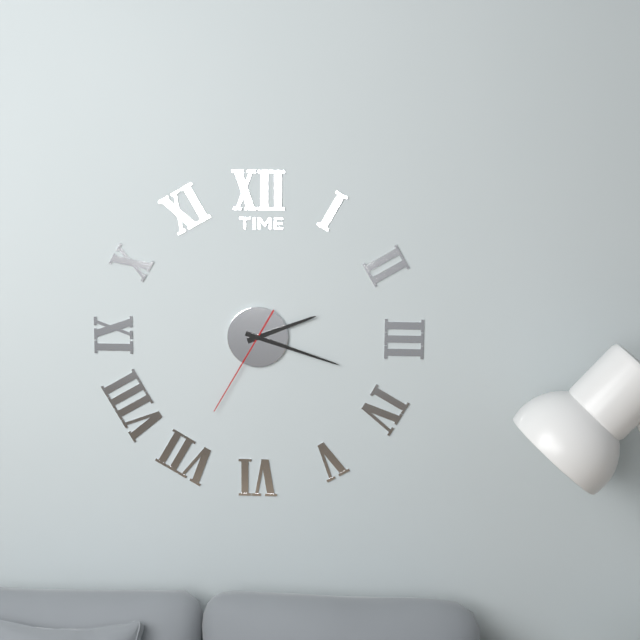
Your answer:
**2:18:35**
